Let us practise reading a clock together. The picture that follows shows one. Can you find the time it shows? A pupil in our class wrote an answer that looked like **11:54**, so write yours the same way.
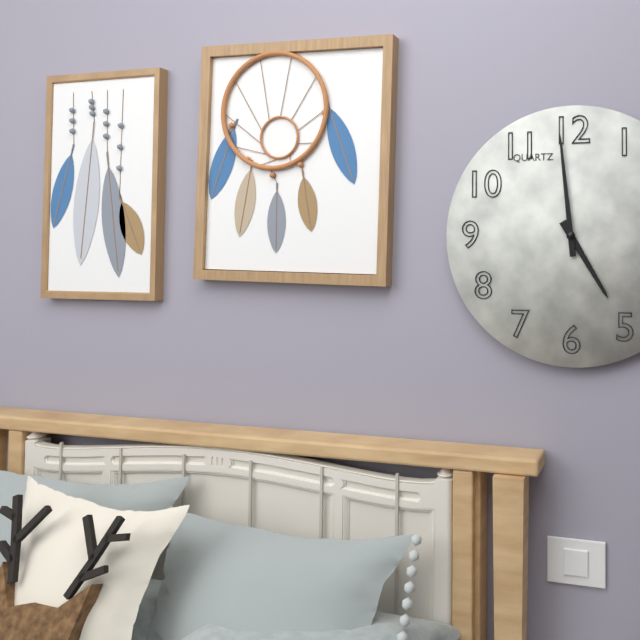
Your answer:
**4:59**
